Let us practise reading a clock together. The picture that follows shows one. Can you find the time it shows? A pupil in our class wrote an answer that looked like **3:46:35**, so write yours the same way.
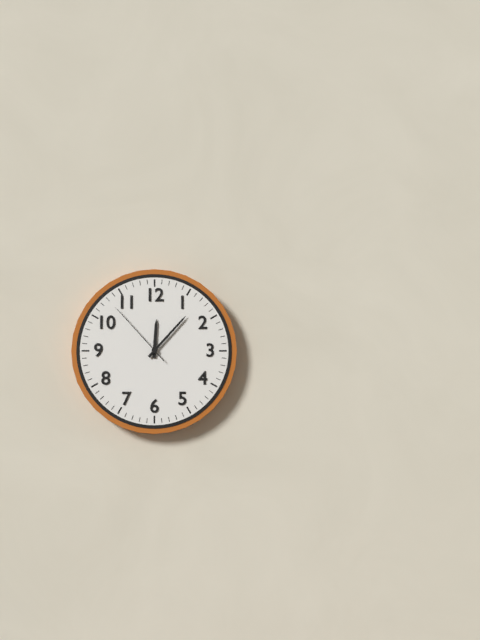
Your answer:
**12:07:53**
